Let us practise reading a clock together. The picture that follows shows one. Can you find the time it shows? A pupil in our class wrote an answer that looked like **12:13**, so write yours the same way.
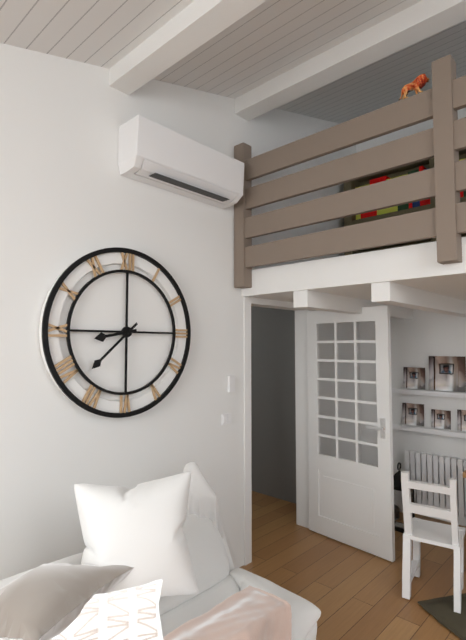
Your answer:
**8:38**
